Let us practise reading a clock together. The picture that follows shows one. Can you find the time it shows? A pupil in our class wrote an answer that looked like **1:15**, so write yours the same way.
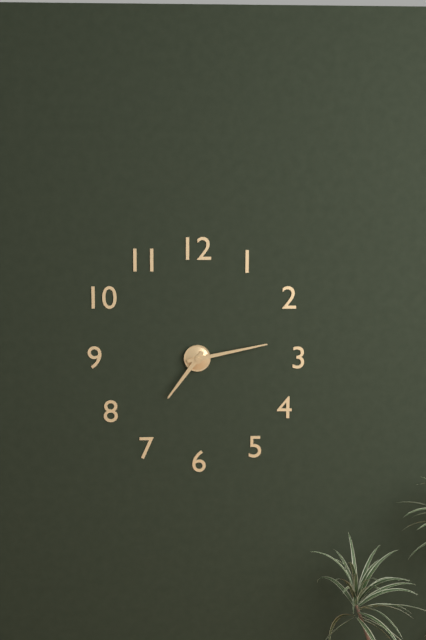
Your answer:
**7:13**
